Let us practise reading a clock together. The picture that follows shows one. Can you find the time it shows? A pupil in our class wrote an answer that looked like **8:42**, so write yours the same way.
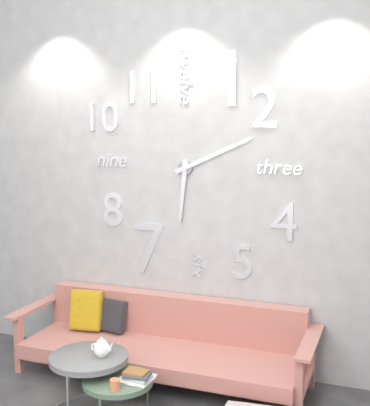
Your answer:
**6:11**
